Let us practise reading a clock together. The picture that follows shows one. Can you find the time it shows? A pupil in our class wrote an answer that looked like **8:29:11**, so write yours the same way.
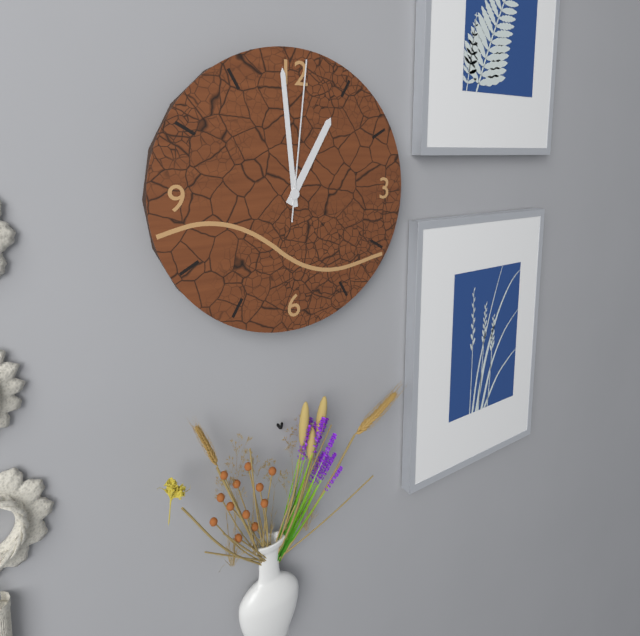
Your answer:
**12:59:01**
